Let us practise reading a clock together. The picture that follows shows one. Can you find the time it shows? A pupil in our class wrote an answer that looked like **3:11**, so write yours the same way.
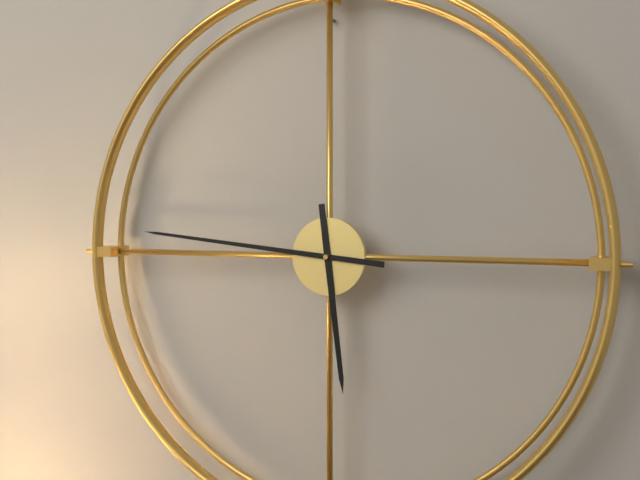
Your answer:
**5:46**
